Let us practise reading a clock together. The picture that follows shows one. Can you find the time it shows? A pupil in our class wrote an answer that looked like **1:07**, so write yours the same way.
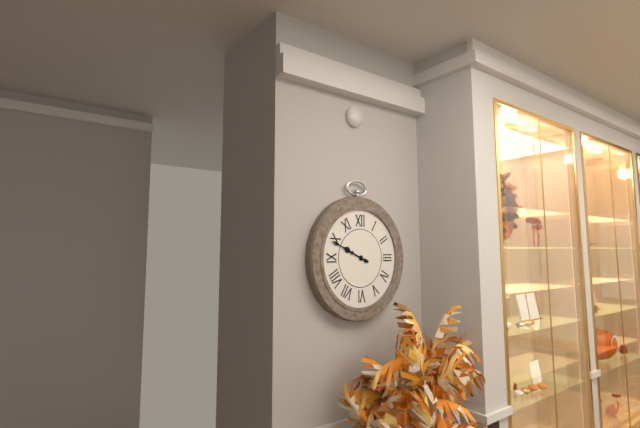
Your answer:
**9:49**
